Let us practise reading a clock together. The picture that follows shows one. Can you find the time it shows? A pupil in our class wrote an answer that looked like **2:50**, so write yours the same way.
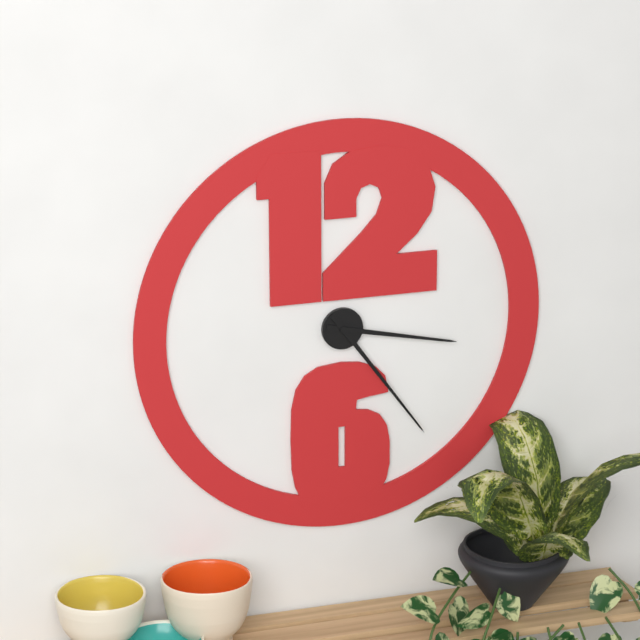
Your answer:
**3:24**
